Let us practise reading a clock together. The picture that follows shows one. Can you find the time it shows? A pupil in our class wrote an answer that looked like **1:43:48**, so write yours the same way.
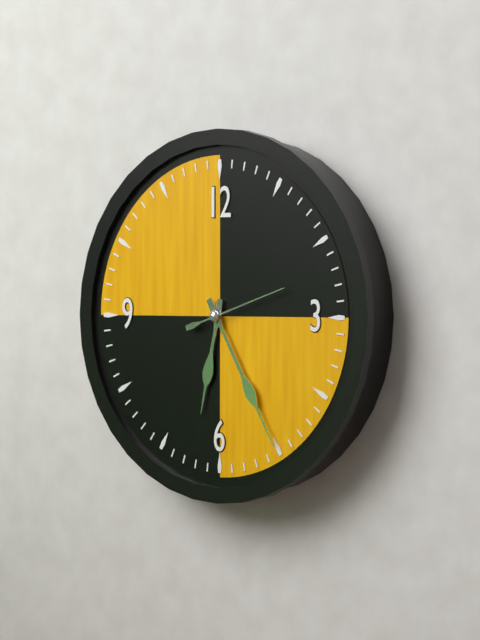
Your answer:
**6:25:12**
